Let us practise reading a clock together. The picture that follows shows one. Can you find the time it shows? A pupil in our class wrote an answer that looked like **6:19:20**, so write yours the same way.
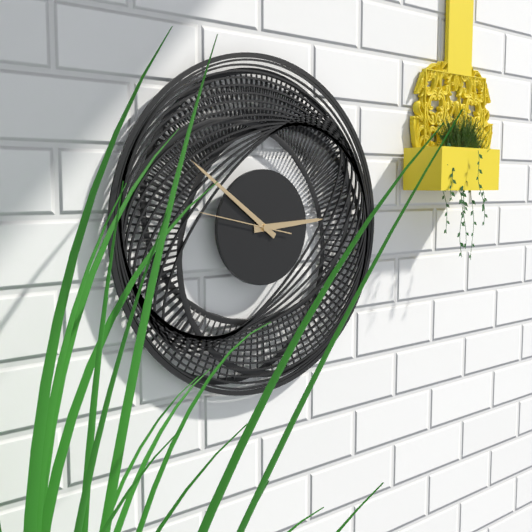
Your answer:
**2:51:47**
